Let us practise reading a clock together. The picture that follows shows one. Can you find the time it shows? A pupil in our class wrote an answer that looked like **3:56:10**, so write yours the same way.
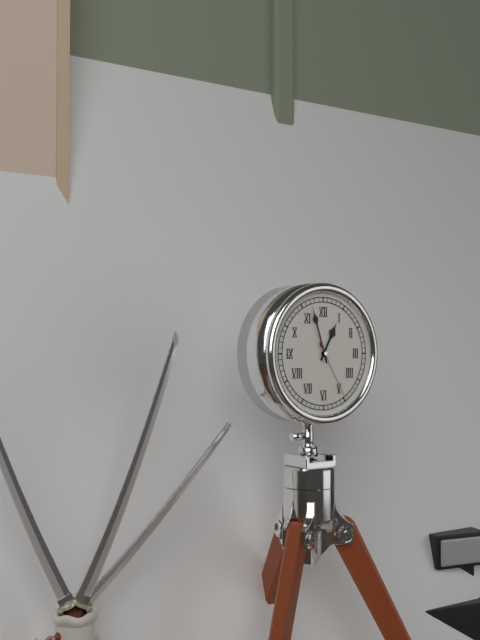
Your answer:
**12:57:25**
